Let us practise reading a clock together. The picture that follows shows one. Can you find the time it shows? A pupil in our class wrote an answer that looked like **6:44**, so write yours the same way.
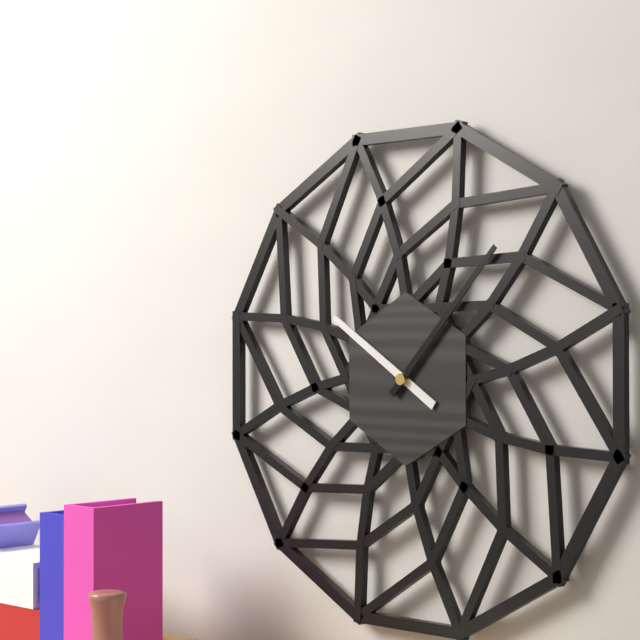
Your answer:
**10:07**
